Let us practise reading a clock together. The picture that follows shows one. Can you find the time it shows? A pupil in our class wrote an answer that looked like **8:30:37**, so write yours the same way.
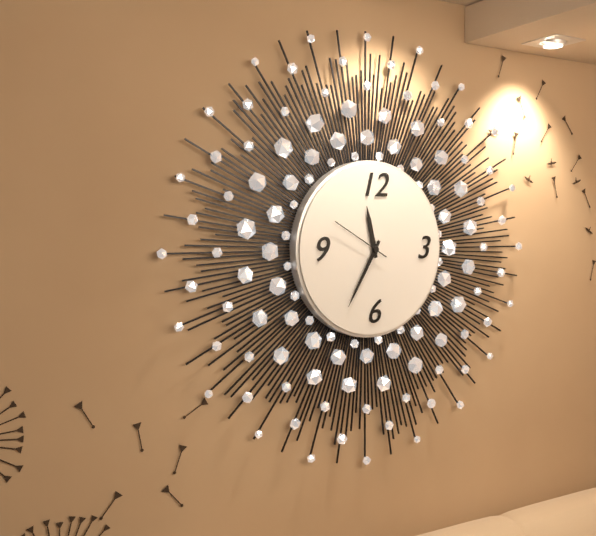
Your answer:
**11:35:50**
